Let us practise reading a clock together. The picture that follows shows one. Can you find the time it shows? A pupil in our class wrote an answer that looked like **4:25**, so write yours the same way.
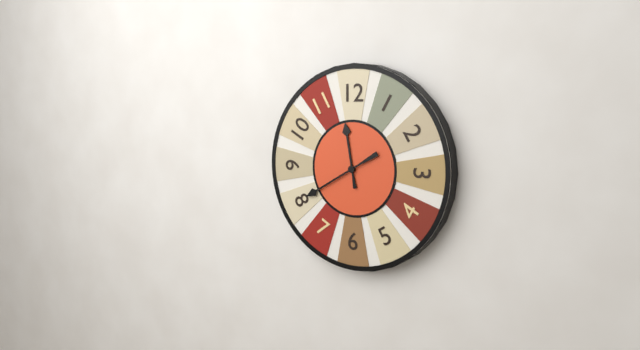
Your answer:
**11:40**
